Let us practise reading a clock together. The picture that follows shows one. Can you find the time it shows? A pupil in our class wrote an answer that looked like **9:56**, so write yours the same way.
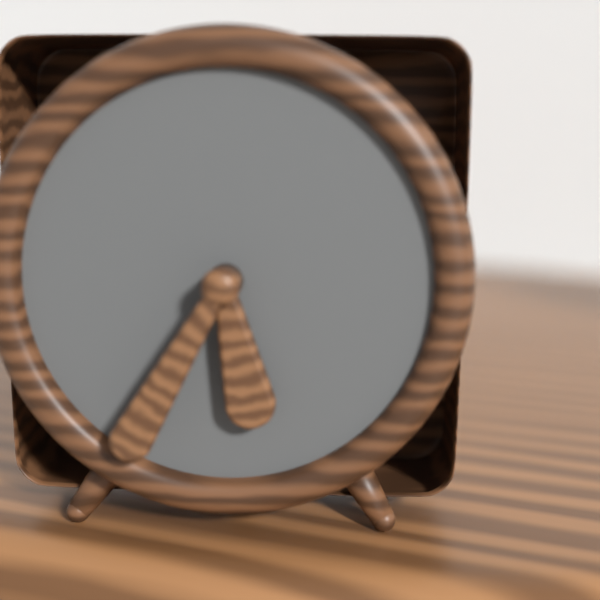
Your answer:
**5:35**
